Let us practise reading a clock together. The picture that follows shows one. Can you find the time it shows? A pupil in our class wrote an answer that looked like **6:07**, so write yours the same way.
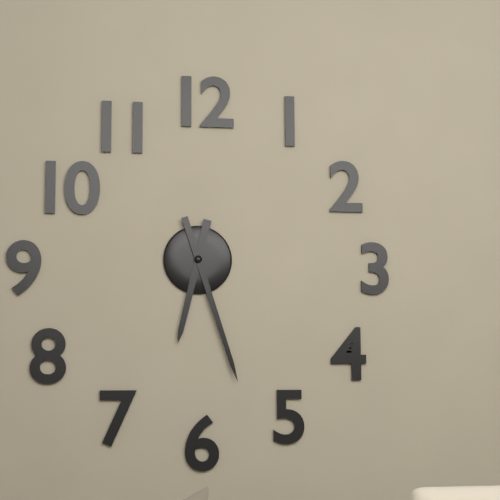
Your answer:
**6:27**
